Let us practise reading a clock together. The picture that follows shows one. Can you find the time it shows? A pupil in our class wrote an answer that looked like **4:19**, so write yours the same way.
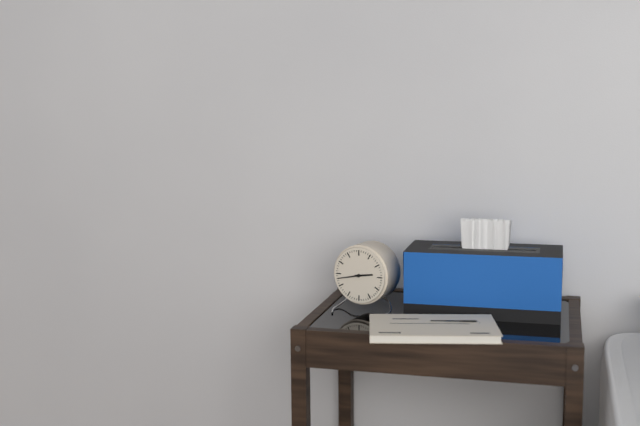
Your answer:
**2:43**
